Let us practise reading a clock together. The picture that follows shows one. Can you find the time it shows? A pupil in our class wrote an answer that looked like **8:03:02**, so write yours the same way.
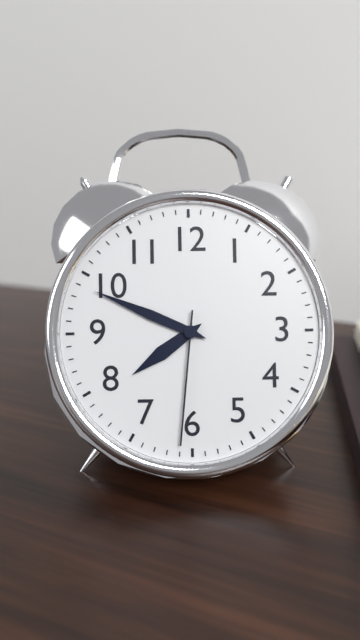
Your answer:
**7:49:31**
